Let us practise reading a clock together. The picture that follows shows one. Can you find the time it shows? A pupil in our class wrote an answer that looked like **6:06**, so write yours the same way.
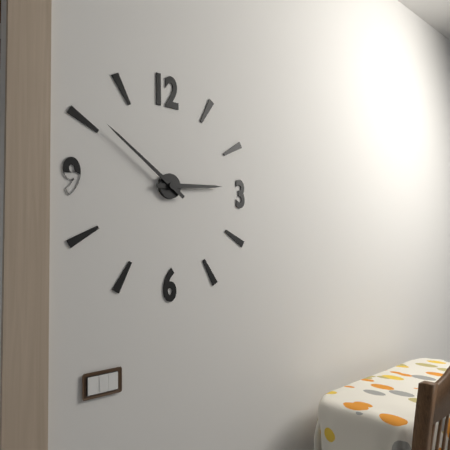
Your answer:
**2:51**
